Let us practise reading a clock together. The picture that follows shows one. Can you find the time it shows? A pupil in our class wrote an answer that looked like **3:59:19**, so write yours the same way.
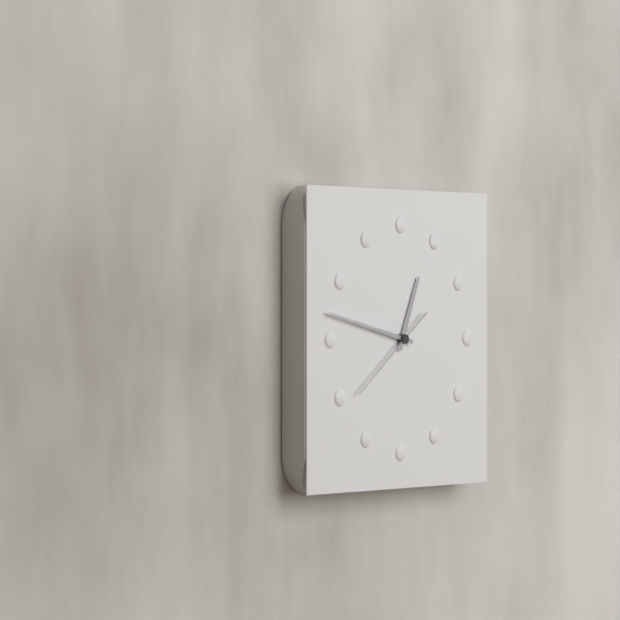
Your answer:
**12:47:39**
